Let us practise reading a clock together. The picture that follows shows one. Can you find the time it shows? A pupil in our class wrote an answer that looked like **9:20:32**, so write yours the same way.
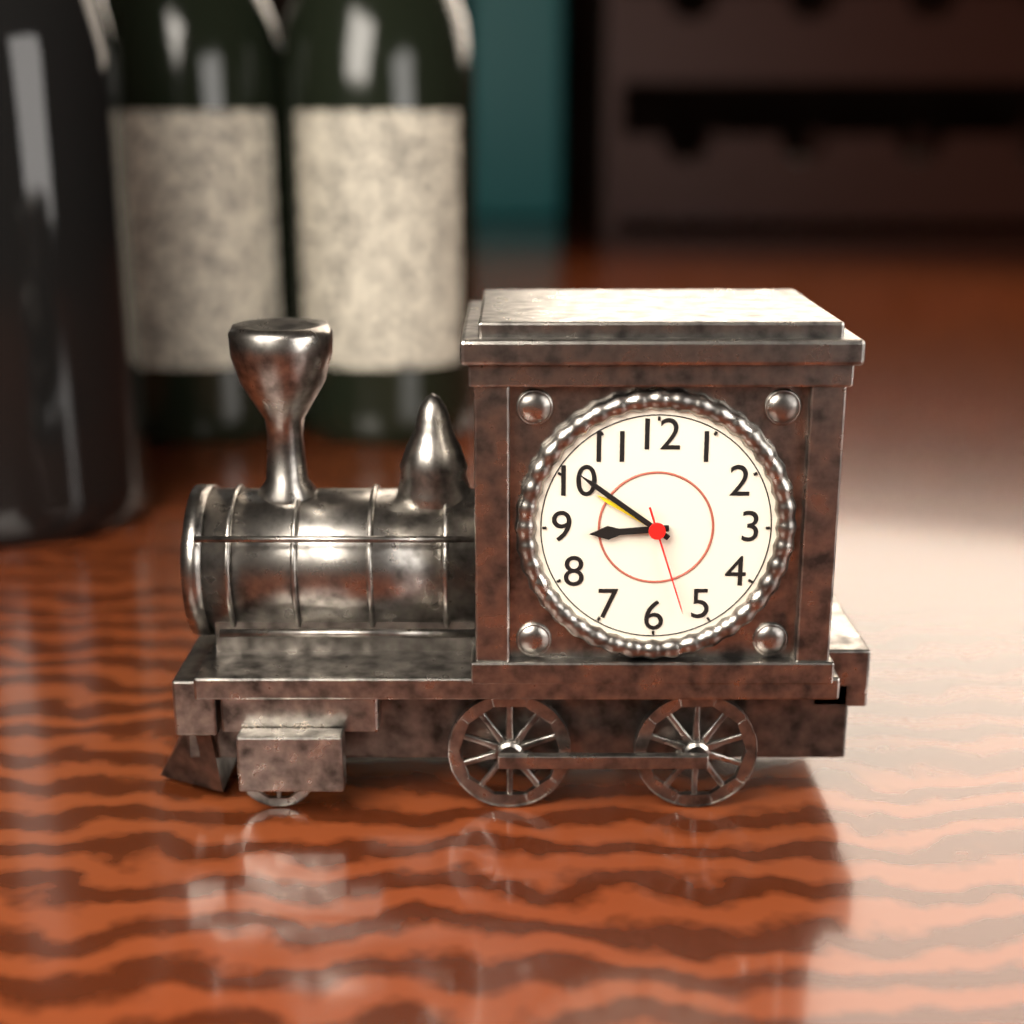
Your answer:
**8:51:27**
